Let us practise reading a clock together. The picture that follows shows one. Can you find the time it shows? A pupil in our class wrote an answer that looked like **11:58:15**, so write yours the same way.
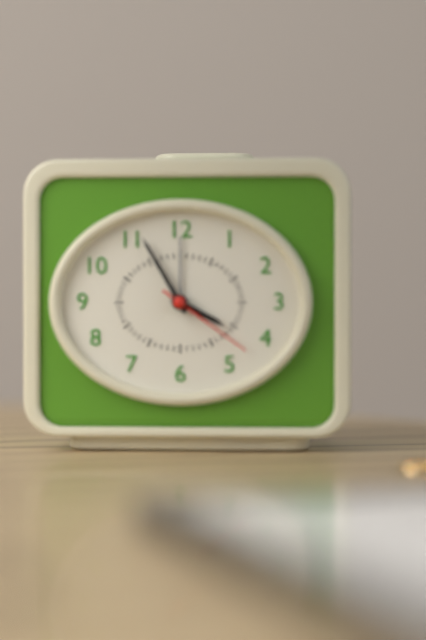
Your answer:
**3:55:21**
